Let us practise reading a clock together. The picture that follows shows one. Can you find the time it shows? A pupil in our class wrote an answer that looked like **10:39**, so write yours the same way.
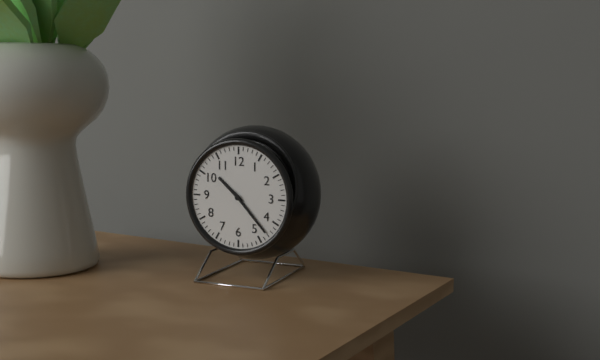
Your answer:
**10:23**
